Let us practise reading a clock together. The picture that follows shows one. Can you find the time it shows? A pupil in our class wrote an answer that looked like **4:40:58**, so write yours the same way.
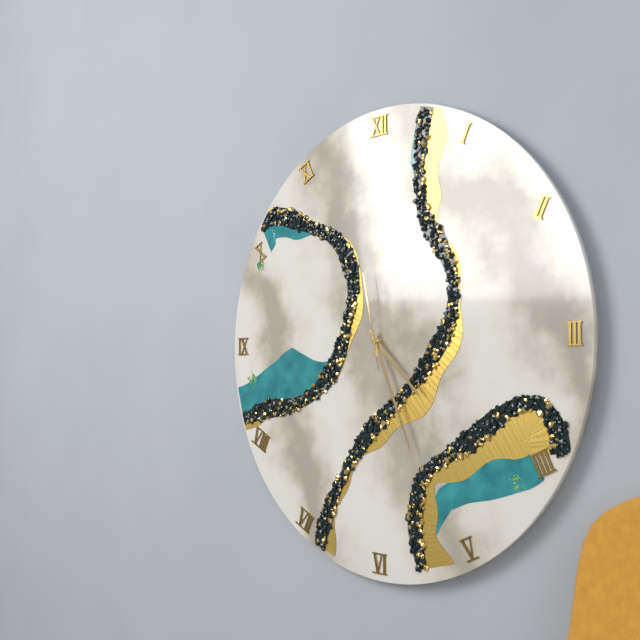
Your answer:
**4:26:58**
